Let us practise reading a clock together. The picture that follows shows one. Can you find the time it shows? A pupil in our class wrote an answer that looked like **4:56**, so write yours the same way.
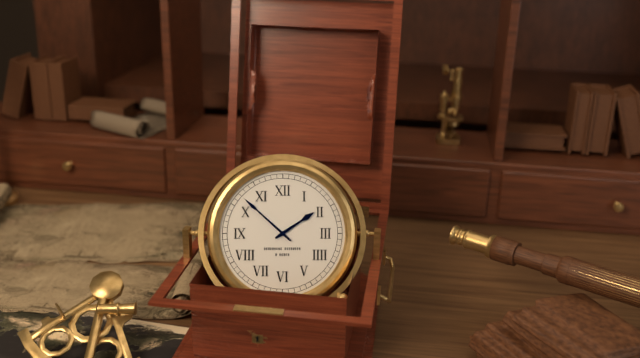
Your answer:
**1:52**
